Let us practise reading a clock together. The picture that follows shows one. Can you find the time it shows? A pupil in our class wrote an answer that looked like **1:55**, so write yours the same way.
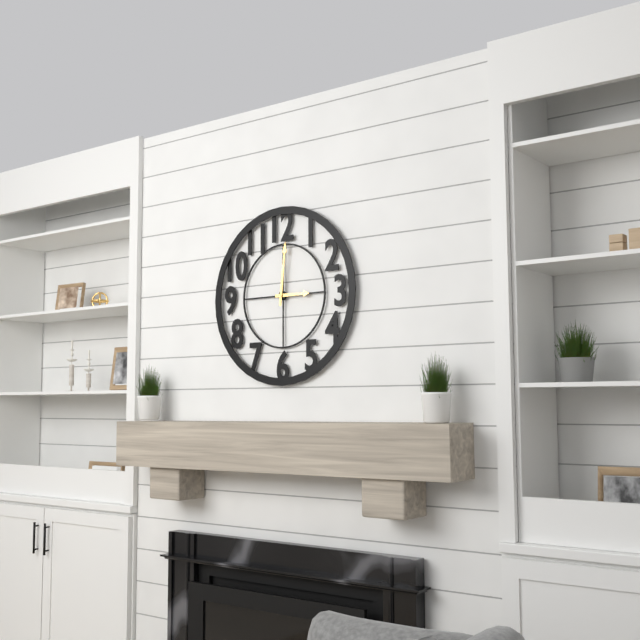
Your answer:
**3:01**
